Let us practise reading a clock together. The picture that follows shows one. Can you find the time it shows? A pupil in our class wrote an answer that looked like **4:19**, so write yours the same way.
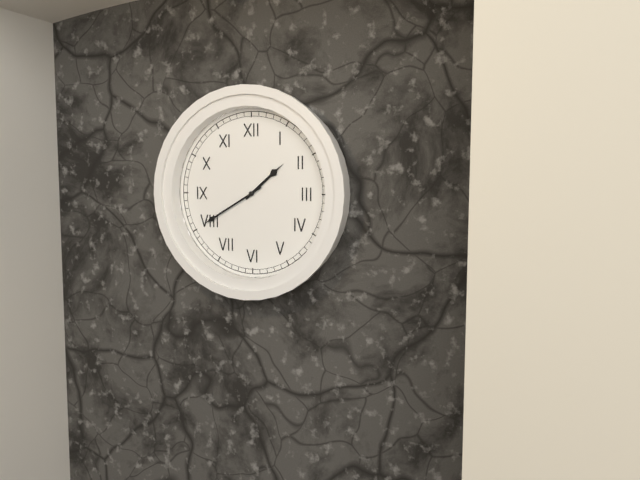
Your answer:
**1:40**
